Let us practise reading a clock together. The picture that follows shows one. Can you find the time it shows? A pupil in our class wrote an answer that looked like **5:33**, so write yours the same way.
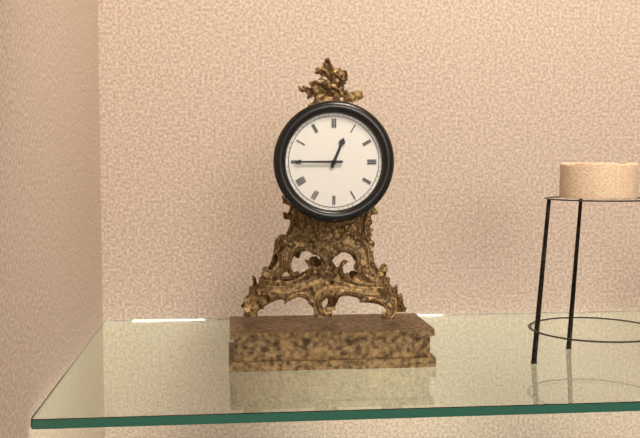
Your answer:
**12:45**
